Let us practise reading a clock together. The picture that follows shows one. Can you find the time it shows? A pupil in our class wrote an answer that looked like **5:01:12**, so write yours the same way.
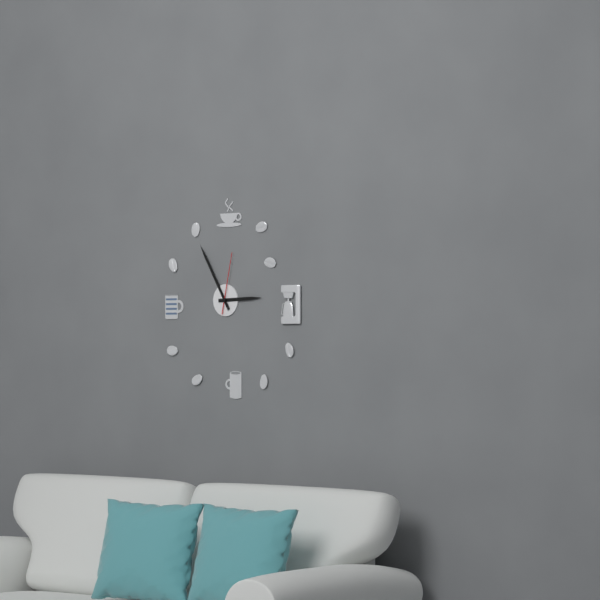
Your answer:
**2:55:02**
